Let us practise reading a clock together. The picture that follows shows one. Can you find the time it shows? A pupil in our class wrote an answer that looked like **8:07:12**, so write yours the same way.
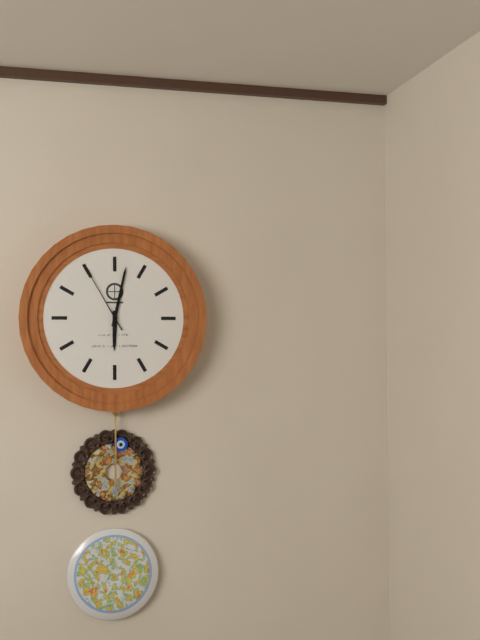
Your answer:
**6:02:55**
